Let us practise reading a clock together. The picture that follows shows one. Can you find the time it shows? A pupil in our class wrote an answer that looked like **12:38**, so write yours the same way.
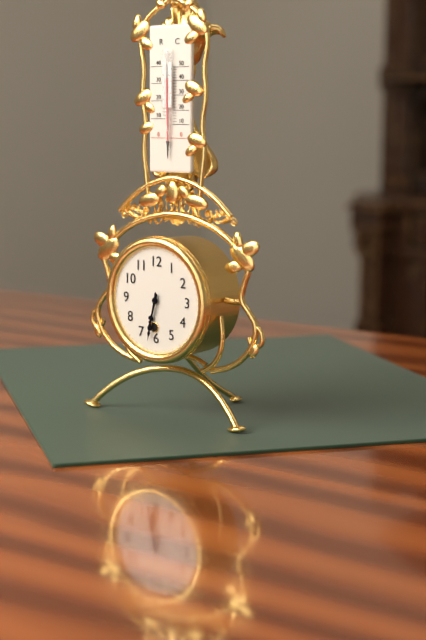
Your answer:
**6:32**
